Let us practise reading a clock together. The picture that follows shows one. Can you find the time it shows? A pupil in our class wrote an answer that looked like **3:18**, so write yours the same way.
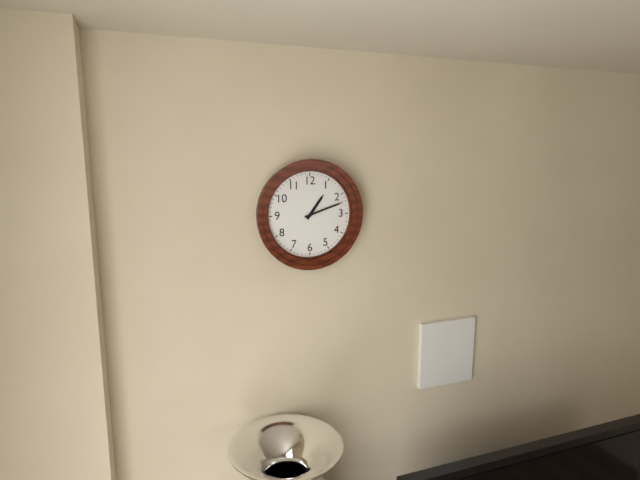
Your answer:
**1:12**
